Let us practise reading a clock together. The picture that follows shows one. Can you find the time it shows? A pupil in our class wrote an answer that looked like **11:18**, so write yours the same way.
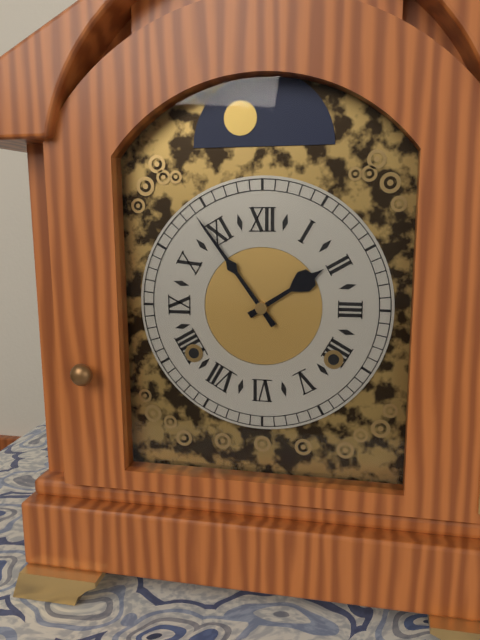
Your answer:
**1:54**
